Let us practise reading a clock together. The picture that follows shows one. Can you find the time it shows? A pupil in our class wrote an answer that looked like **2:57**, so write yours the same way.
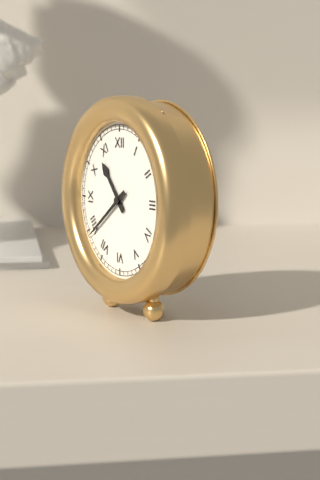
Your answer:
**10:39**
